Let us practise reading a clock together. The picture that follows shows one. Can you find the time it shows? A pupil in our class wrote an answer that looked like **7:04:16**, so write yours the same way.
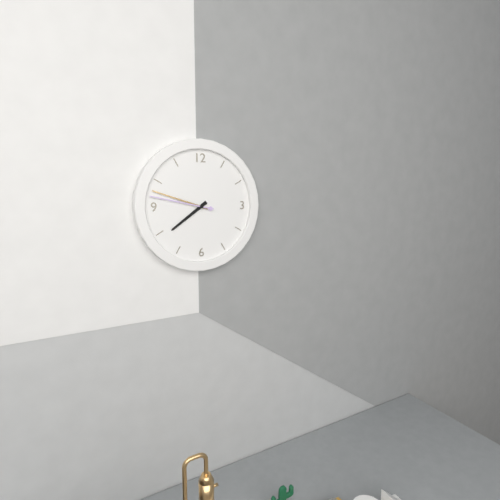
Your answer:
**7:48:47**
